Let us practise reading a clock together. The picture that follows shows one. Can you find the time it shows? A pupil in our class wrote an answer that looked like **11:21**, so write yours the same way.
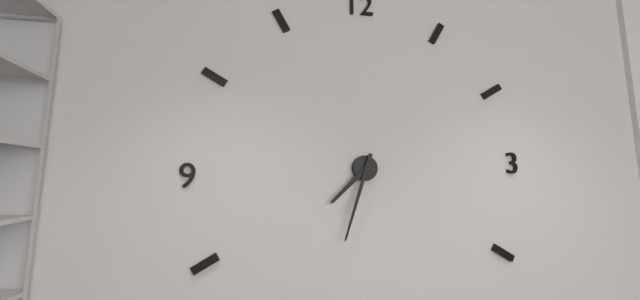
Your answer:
**7:33**
